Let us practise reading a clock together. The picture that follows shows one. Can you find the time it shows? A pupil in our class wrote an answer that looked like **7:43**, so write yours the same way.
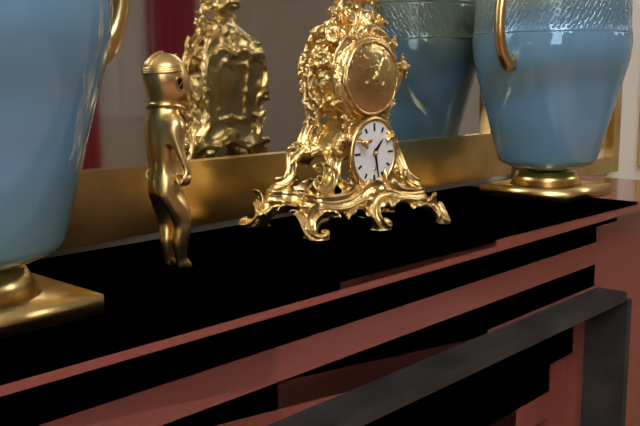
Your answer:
**1:28**
